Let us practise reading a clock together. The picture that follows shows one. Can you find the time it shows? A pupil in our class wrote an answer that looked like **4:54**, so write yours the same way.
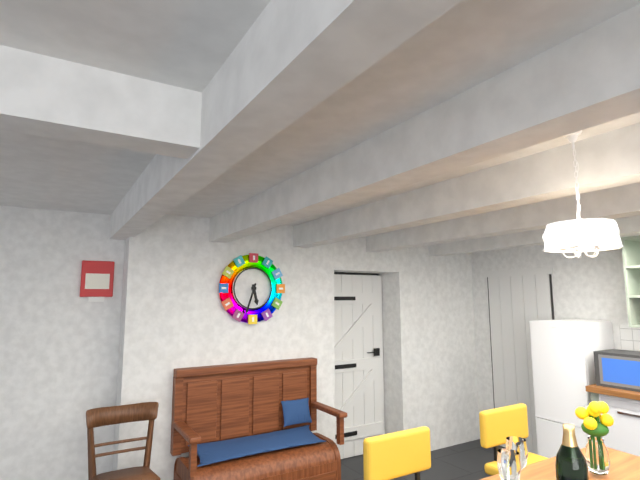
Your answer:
**5:33**
